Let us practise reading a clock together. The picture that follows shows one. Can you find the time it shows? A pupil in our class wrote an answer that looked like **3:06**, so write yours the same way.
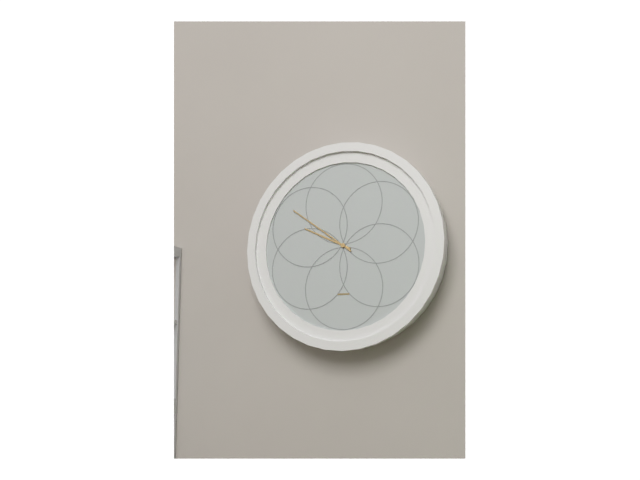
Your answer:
**9:51**
